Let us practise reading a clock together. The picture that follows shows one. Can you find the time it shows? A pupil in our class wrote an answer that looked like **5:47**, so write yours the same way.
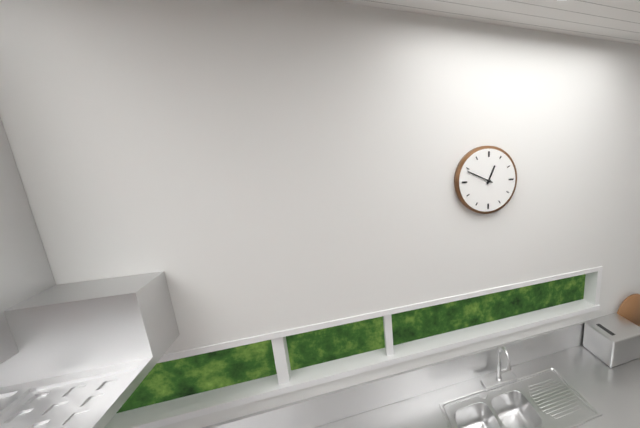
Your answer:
**12:49**
